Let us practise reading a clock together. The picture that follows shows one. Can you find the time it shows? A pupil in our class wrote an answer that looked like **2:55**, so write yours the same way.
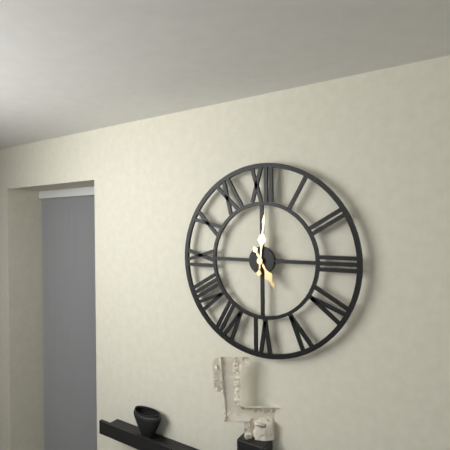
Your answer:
**5:01**
